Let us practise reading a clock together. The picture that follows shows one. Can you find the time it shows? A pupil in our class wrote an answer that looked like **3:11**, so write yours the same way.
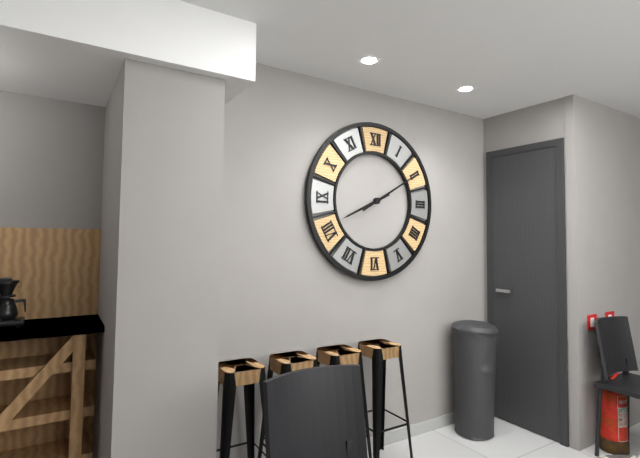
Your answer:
**8:10**
